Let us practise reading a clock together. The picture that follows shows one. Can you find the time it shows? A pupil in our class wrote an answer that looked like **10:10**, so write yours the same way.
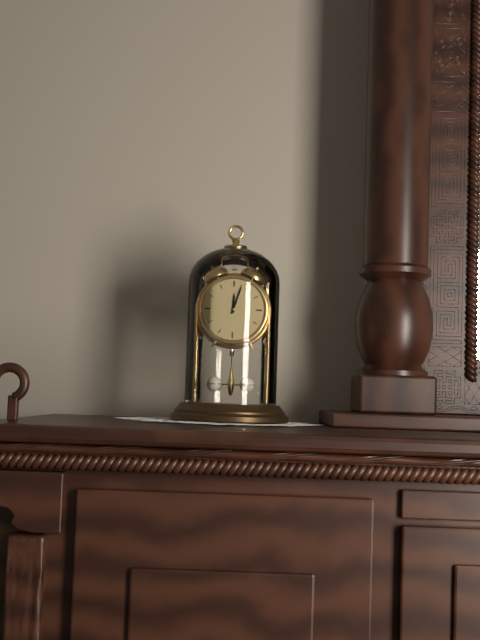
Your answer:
**12:03**
